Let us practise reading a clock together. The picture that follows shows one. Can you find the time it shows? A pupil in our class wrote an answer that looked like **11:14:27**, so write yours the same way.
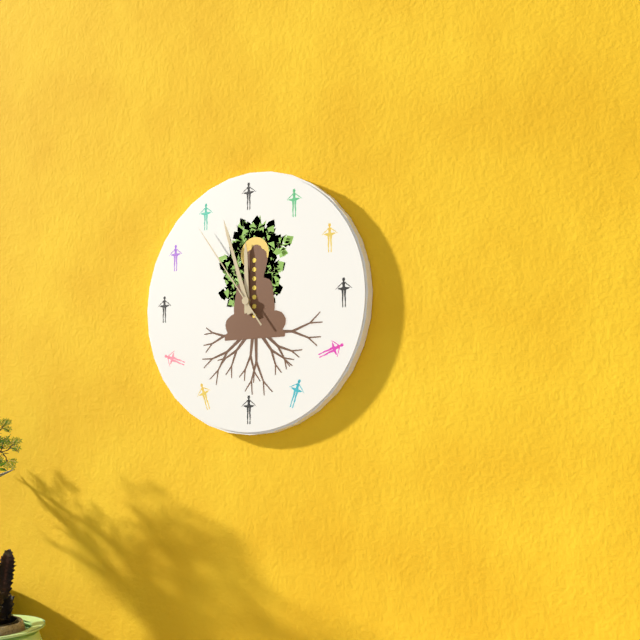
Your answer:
**11:57:54**
